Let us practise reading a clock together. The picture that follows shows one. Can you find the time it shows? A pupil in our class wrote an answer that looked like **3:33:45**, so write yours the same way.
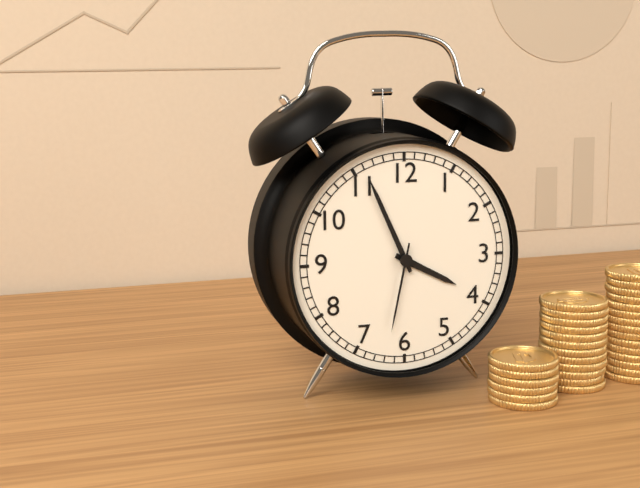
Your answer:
**3:56:32**
